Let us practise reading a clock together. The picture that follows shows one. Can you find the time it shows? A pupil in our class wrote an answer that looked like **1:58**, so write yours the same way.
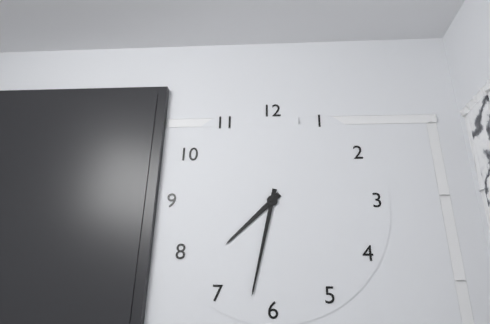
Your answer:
**7:32**
